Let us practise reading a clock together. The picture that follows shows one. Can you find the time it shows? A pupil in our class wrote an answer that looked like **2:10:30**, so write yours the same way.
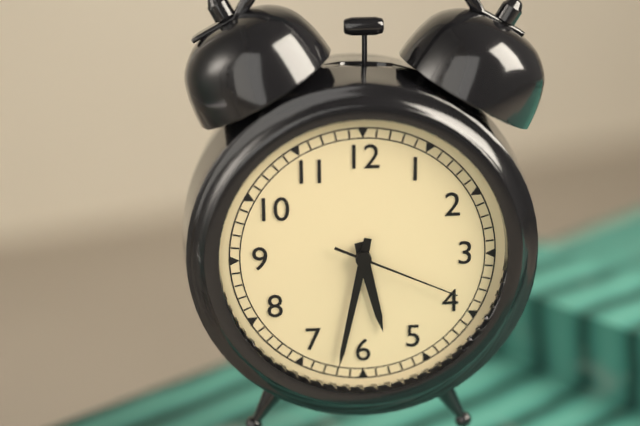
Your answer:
**5:32:19**
